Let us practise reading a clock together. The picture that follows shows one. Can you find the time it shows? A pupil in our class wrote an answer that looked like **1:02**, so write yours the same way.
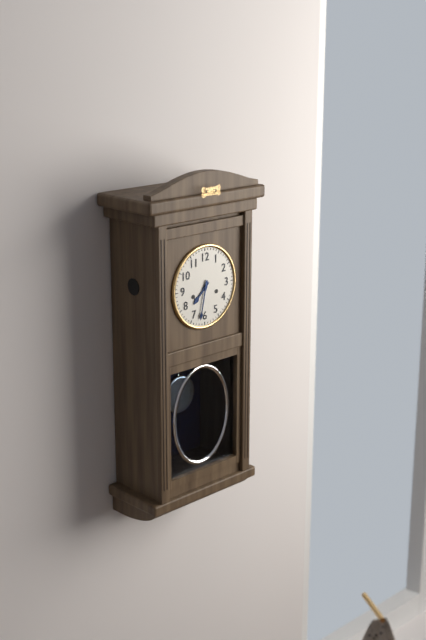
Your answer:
**7:32**
